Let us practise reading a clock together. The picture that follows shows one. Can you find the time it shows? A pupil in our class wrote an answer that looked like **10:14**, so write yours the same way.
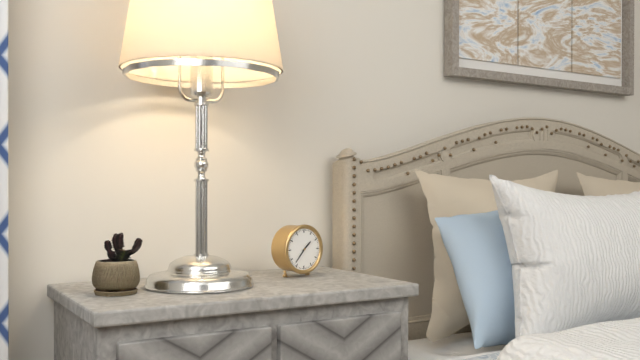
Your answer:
**1:37**
